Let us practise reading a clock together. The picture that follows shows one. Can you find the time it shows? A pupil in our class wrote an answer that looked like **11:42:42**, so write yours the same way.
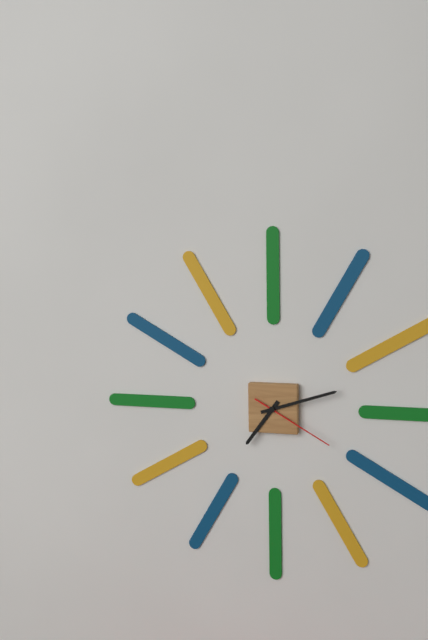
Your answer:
**7:12:20**
